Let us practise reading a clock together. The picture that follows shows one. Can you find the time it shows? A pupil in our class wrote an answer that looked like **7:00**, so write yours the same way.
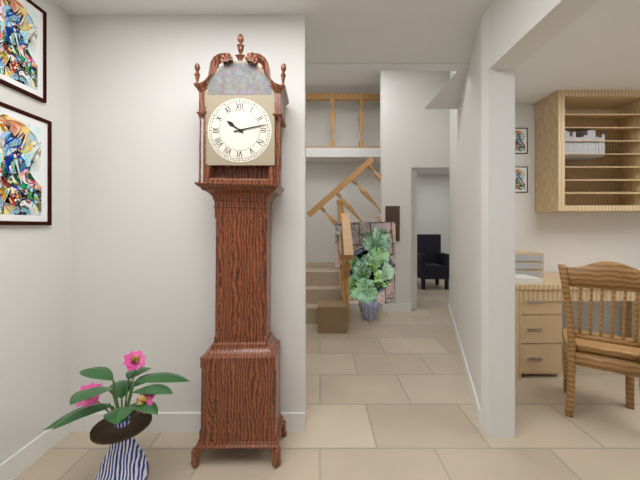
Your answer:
**10:13**
